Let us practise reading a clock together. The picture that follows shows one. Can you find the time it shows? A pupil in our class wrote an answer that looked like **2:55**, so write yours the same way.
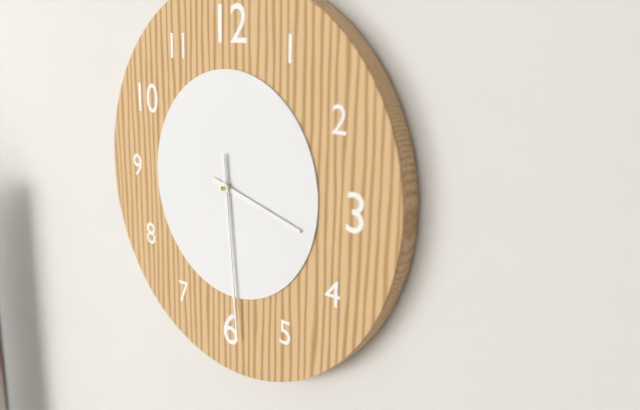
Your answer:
**3:29**
